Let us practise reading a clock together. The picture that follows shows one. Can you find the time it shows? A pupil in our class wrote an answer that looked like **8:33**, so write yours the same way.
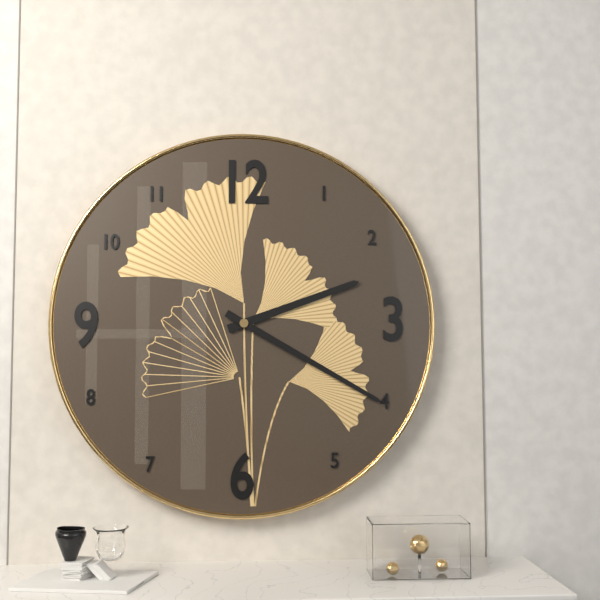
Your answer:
**2:20**
